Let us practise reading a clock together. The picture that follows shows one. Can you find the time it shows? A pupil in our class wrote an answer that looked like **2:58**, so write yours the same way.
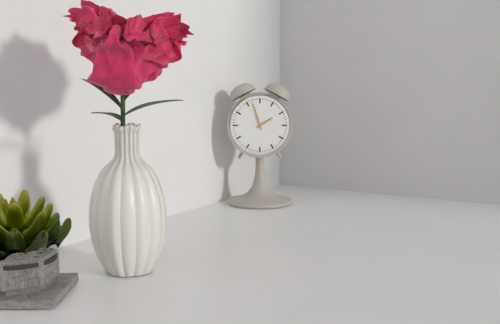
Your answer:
**1:57**
